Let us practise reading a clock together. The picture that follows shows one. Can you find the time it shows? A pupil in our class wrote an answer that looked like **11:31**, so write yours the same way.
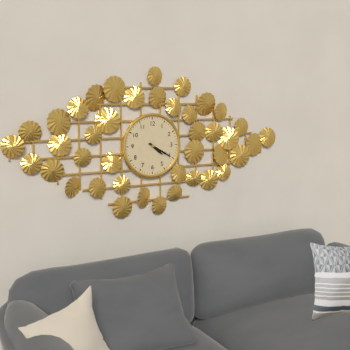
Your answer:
**4:20**
